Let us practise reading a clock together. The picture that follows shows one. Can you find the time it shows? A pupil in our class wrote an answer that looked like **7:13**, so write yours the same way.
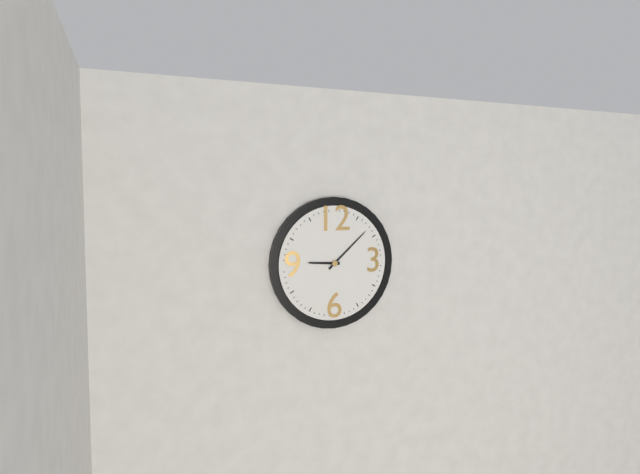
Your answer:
**9:08**
